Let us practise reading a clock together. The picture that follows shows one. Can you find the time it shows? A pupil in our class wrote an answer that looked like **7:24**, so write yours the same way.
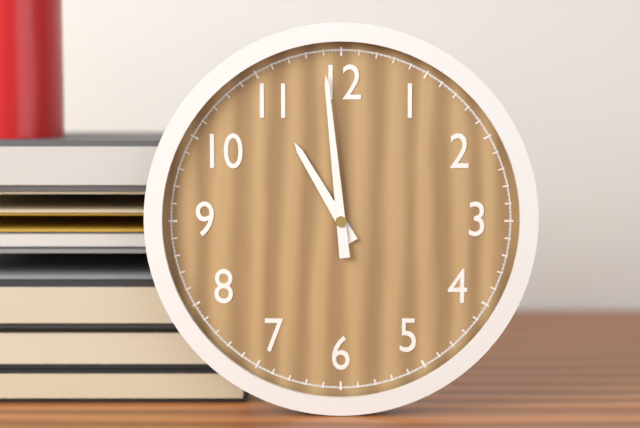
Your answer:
**10:59**
